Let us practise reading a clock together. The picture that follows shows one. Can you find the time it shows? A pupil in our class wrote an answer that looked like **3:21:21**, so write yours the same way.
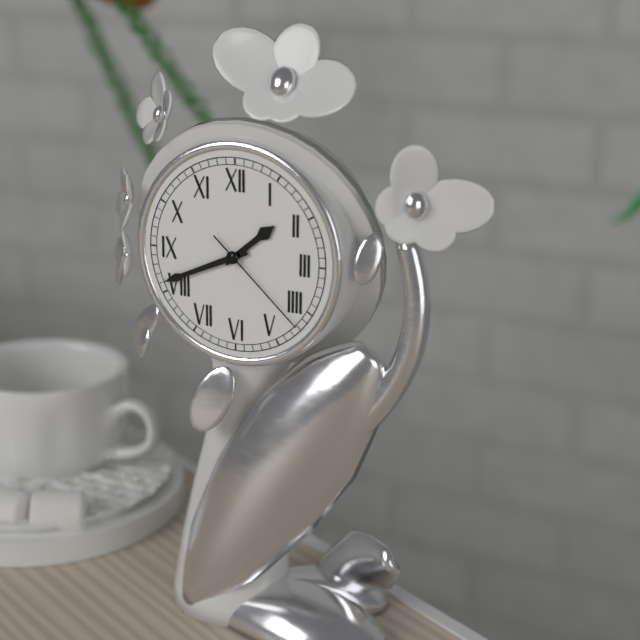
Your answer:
**1:41:22**
